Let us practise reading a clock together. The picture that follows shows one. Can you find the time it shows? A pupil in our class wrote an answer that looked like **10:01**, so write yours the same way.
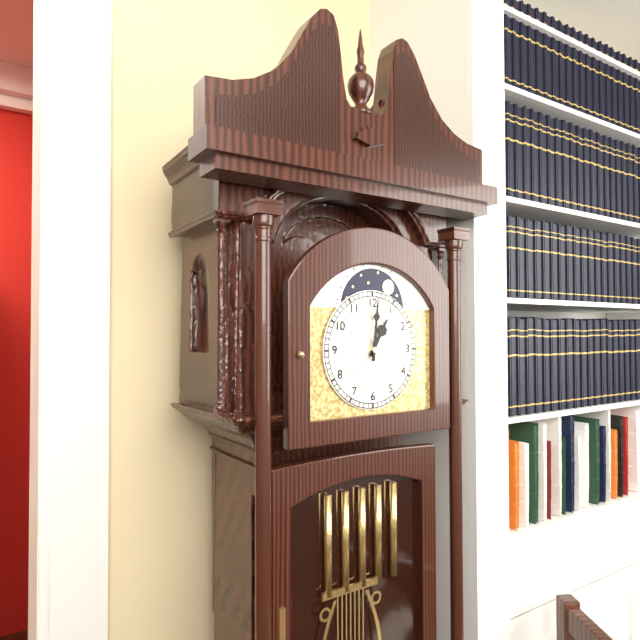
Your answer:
**1:01**
